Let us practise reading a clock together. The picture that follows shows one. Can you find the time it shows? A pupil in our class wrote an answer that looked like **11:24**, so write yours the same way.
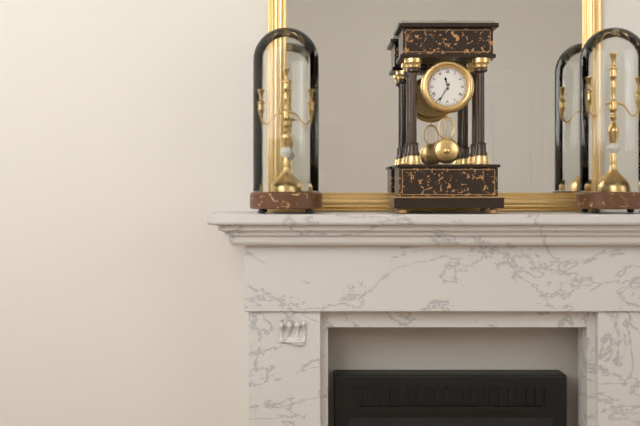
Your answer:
**11:35**
